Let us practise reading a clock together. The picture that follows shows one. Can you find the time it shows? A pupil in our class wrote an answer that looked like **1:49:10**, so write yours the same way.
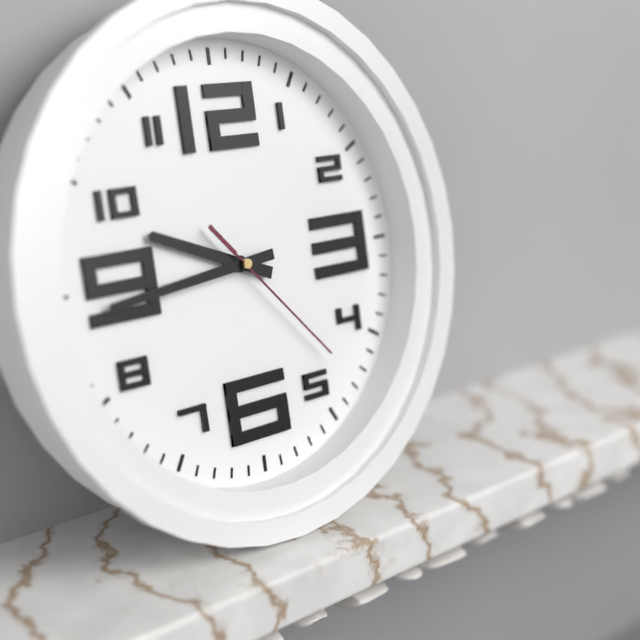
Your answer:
**9:44:23**
